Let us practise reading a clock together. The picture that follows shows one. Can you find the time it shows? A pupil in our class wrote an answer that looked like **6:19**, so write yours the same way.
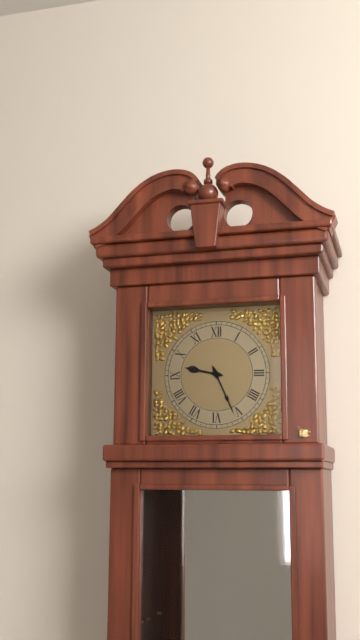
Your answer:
**9:26**
